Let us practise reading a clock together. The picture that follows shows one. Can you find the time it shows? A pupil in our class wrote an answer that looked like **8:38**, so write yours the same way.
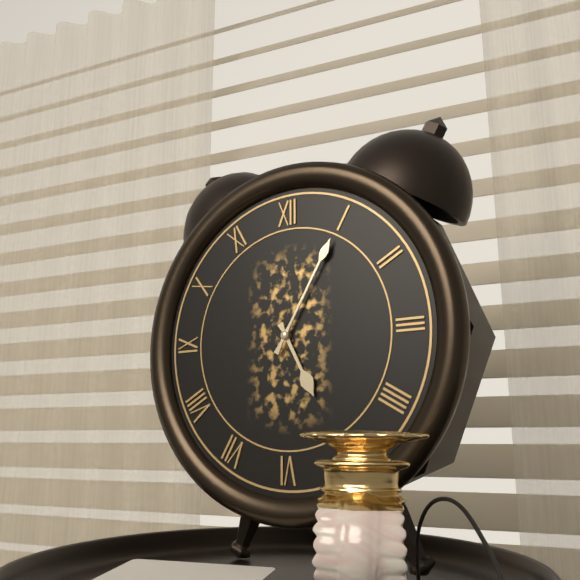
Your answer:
**5:05**
